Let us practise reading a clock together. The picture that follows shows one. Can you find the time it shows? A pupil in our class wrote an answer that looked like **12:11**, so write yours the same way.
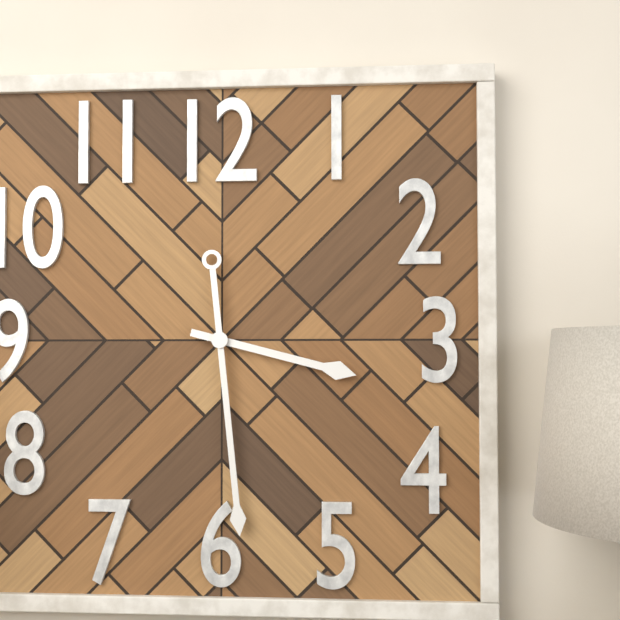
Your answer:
**3:29**
